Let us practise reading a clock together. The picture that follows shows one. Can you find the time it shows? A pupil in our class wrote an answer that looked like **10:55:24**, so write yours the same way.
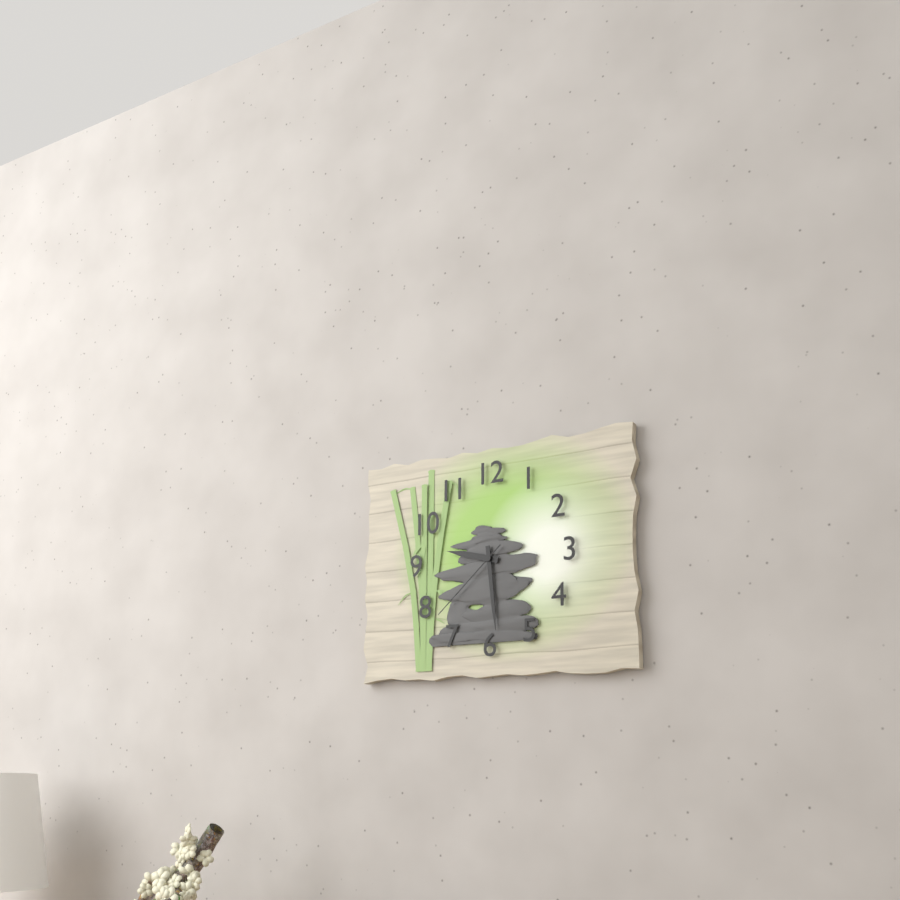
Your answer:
**9:29:38**
